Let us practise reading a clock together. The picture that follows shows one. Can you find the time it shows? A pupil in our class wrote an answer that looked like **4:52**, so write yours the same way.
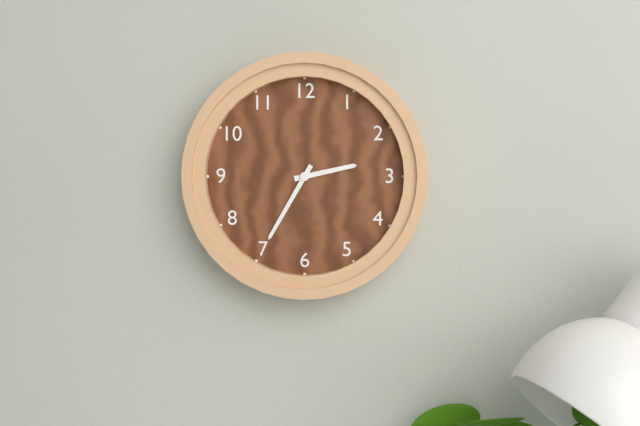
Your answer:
**2:35**
